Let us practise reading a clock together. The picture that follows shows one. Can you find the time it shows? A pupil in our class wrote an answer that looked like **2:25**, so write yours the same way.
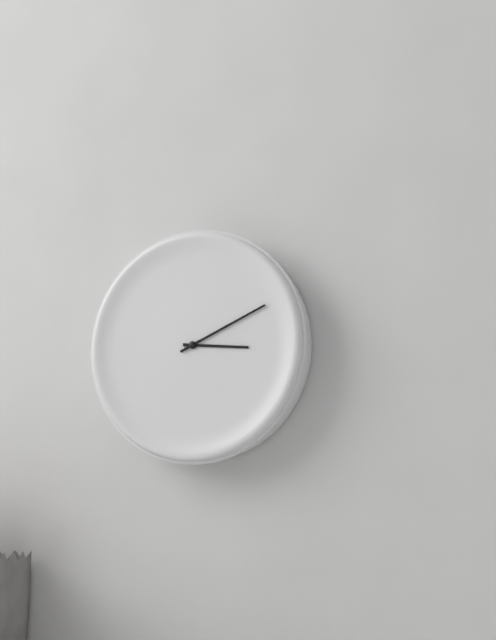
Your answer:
**3:11**
